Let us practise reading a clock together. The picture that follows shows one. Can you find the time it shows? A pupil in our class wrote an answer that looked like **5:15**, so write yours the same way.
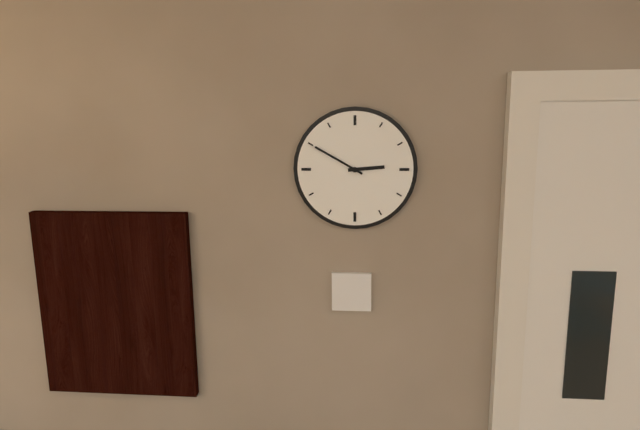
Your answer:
**2:50**
